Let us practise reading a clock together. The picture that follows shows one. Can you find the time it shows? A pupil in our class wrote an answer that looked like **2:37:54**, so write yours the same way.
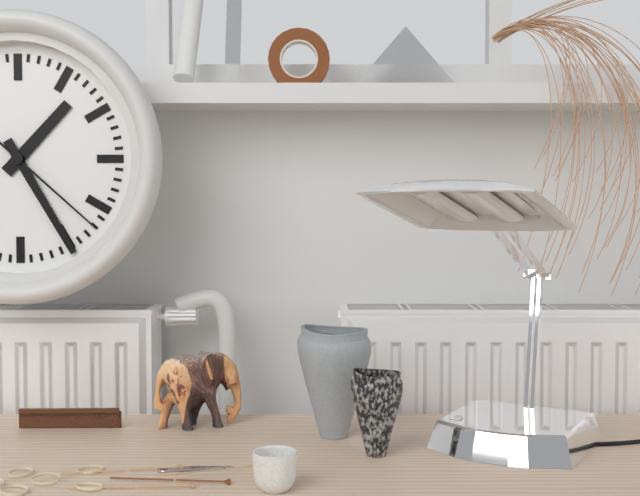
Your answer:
**1:25:22**
